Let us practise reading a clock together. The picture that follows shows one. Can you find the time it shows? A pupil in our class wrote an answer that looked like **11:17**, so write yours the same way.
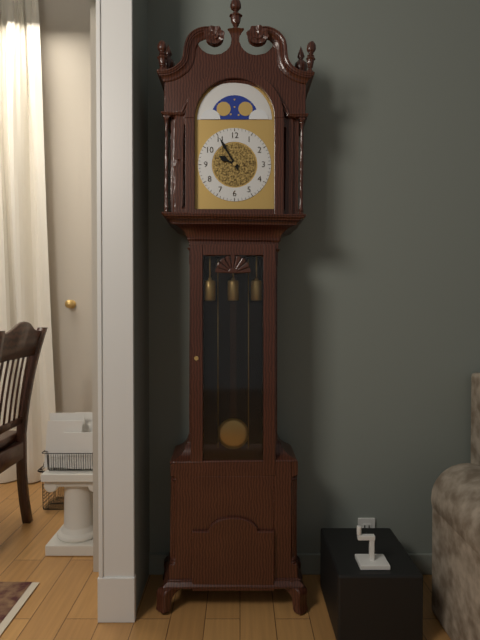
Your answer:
**9:55**
